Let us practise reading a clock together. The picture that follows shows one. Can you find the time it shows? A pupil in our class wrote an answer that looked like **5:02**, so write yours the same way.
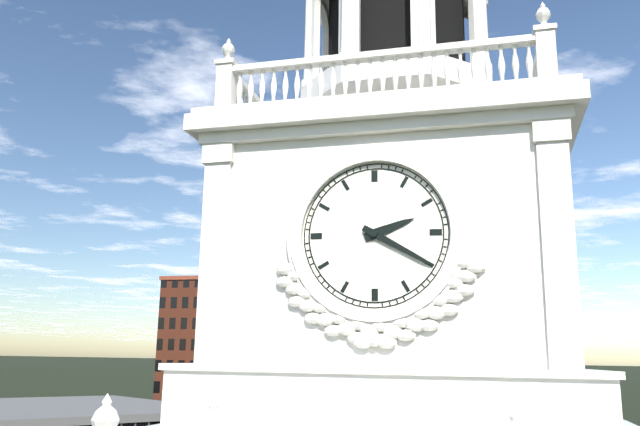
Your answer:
**2:20**
